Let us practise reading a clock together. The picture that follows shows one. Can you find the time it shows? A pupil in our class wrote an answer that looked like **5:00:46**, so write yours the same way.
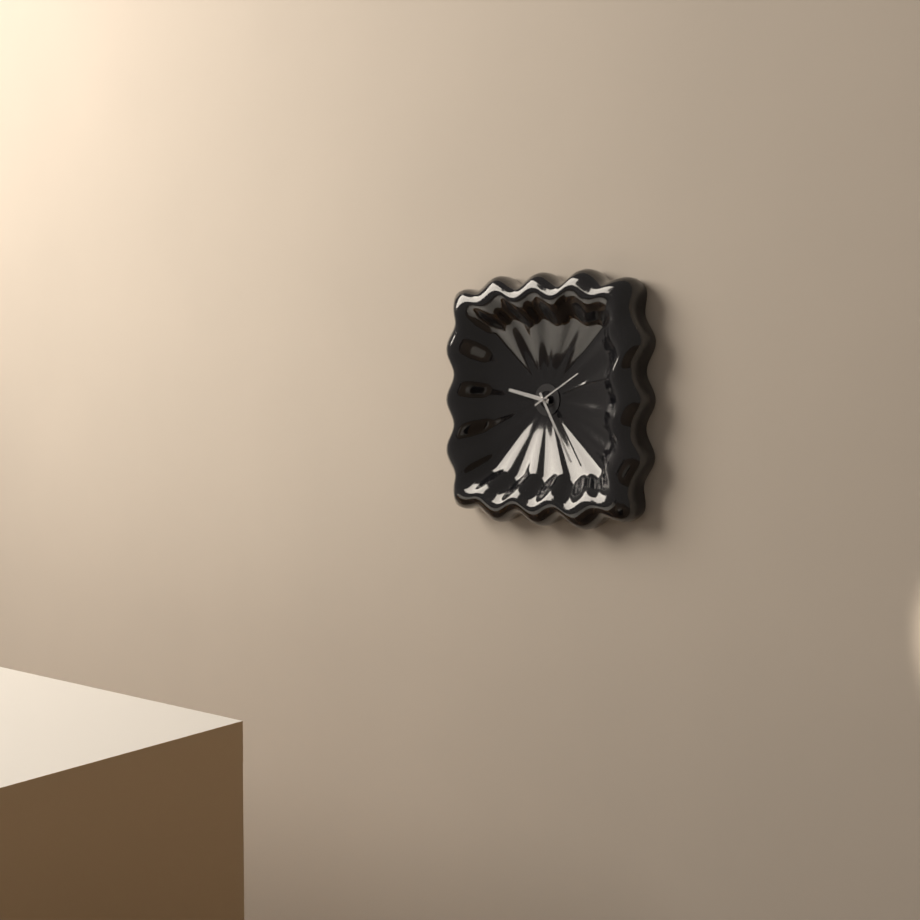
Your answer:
**9:25:10**
